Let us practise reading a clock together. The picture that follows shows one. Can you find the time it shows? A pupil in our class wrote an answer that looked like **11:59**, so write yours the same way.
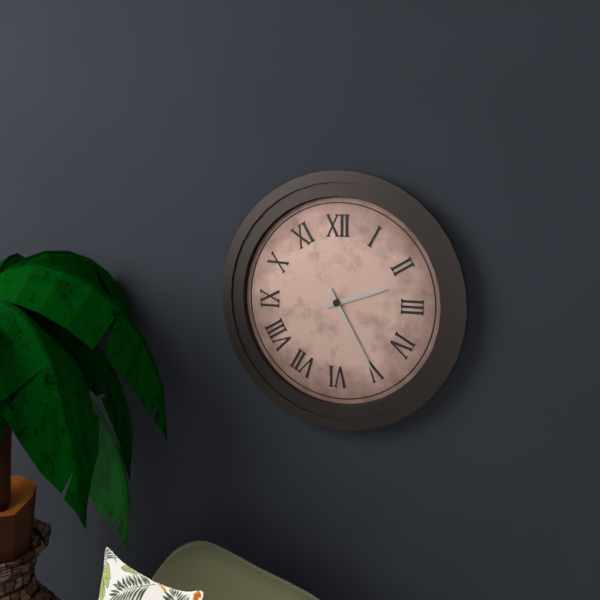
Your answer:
**2:25**
